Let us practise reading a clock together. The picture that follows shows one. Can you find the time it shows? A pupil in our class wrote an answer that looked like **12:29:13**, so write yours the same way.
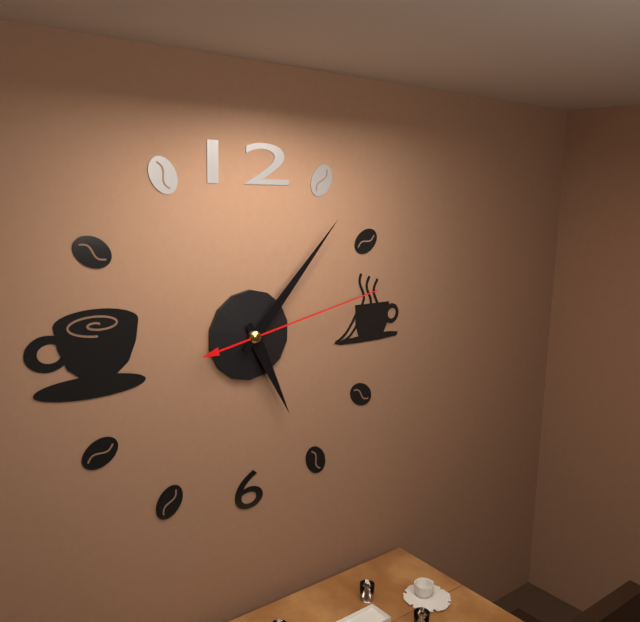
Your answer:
**5:07:13**
